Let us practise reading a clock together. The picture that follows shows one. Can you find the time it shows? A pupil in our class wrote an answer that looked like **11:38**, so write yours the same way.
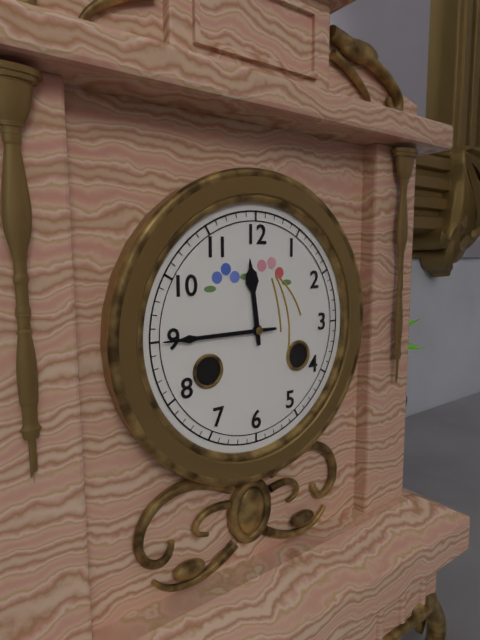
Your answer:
**11:45**
